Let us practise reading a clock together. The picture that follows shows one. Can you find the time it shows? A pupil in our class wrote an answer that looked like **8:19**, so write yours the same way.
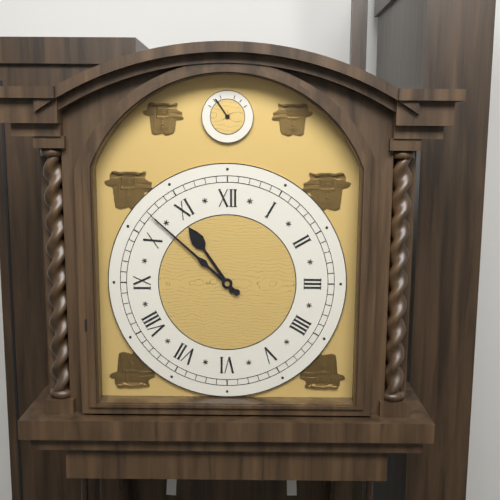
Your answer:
**10:52**
